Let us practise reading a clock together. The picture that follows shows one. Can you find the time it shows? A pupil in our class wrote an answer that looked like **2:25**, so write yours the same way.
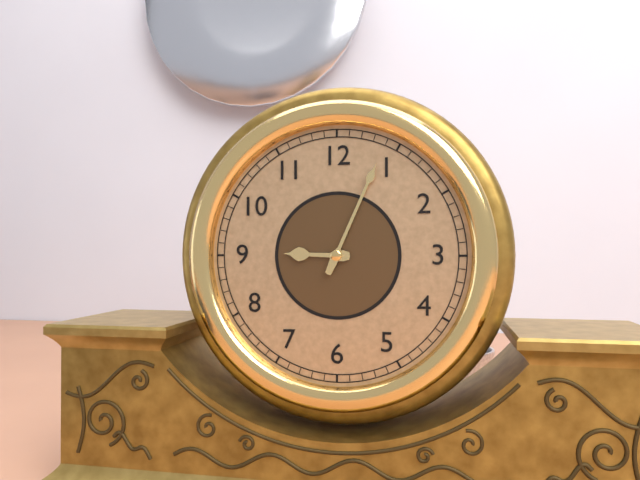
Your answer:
**9:04**
